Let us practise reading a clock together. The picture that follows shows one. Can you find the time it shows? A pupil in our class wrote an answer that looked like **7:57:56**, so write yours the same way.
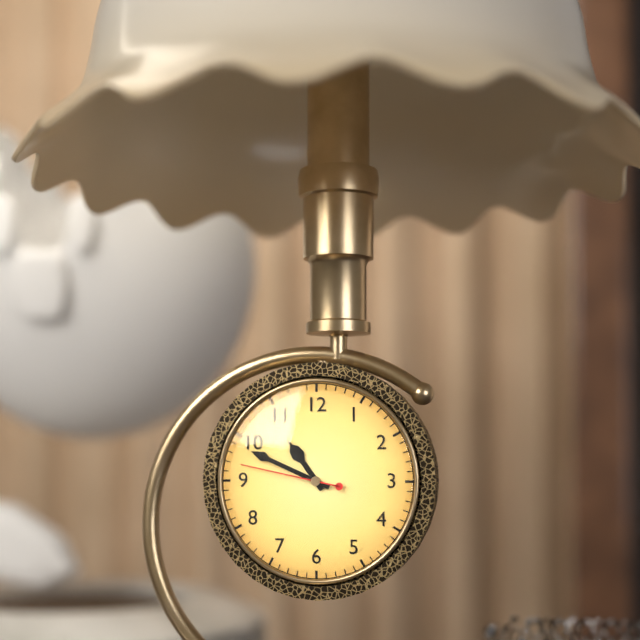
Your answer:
**10:49:47**
